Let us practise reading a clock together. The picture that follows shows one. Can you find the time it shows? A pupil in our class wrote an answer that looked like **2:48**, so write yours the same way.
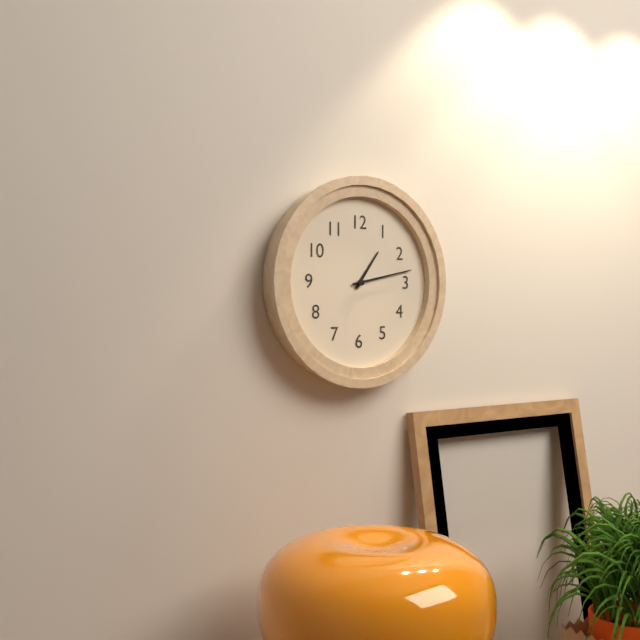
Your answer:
**1:13**
